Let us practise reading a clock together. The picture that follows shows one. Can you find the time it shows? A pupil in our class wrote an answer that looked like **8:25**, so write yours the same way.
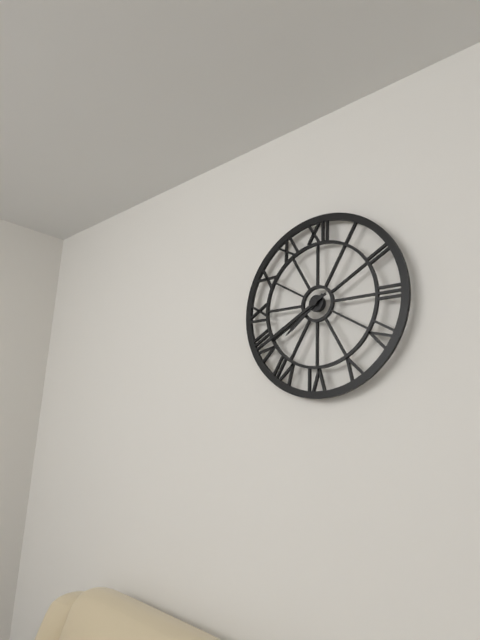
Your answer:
**7:40**
